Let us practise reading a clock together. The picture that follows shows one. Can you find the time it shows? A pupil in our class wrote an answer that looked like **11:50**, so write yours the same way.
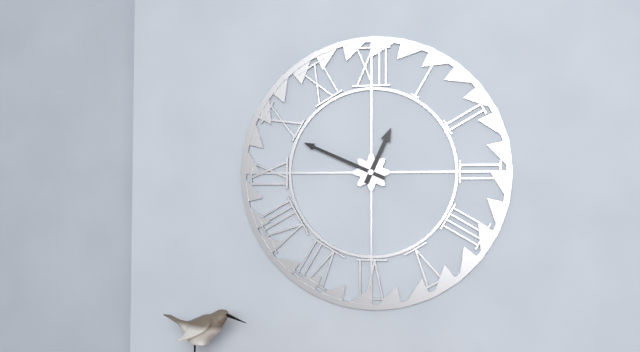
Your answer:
**12:49**
